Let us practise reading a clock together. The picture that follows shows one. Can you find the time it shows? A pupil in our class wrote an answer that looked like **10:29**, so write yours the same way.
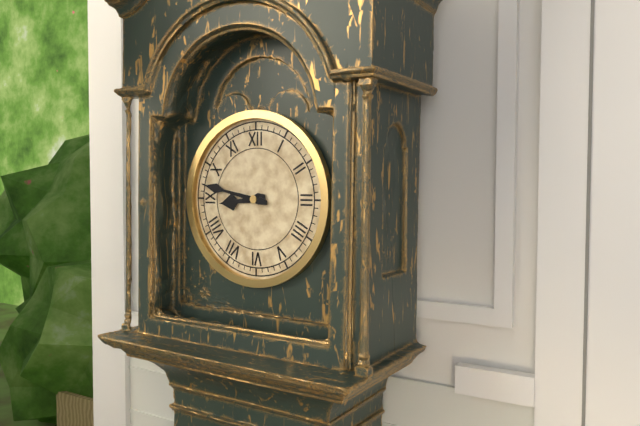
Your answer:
**8:47**
